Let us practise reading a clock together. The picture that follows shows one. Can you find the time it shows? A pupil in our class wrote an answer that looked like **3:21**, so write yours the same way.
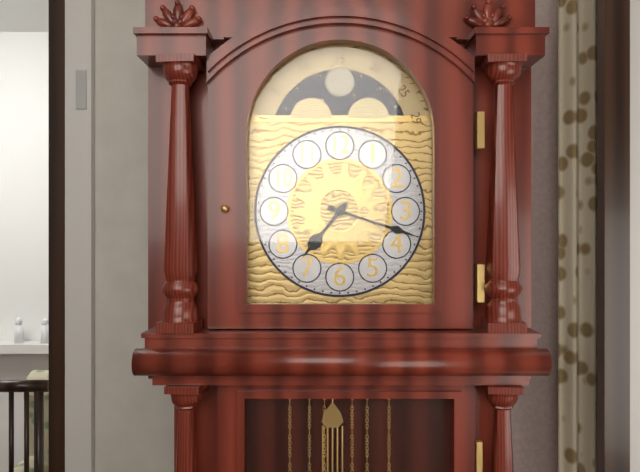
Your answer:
**7:18**
